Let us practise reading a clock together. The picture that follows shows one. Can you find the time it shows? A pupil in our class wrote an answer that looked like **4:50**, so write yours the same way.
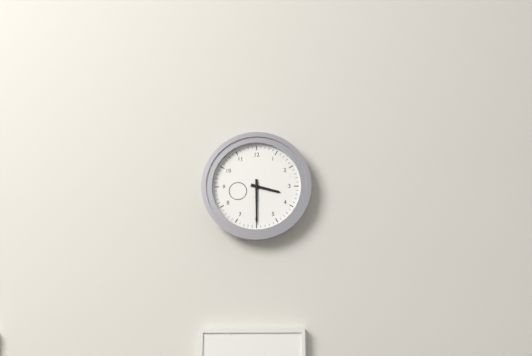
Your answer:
**3:30**
